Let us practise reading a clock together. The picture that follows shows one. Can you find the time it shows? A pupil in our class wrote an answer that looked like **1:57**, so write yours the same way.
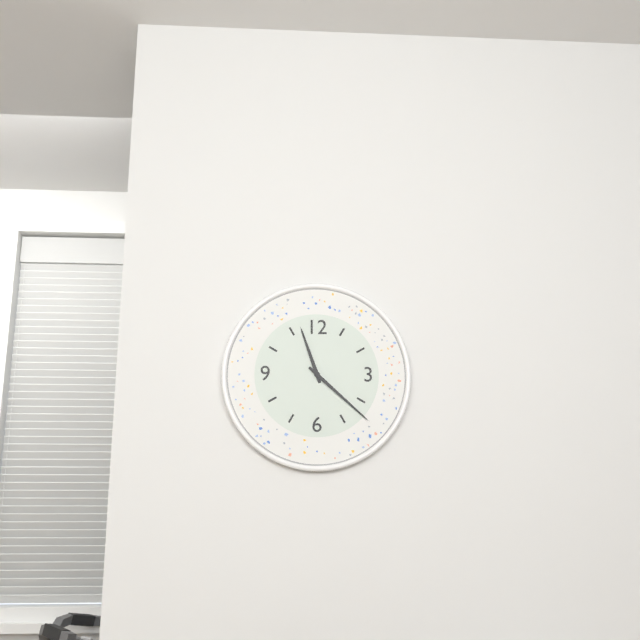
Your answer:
**11:22**
